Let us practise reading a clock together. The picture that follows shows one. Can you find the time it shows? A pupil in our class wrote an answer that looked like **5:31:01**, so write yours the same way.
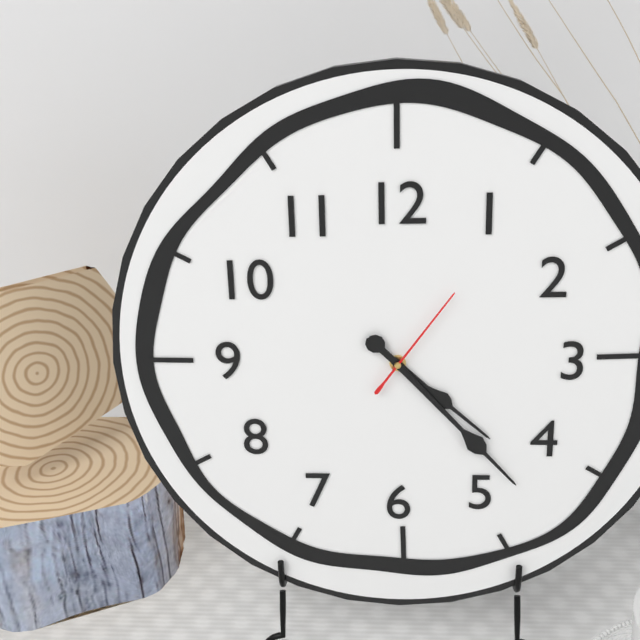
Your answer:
**4:23:06**
